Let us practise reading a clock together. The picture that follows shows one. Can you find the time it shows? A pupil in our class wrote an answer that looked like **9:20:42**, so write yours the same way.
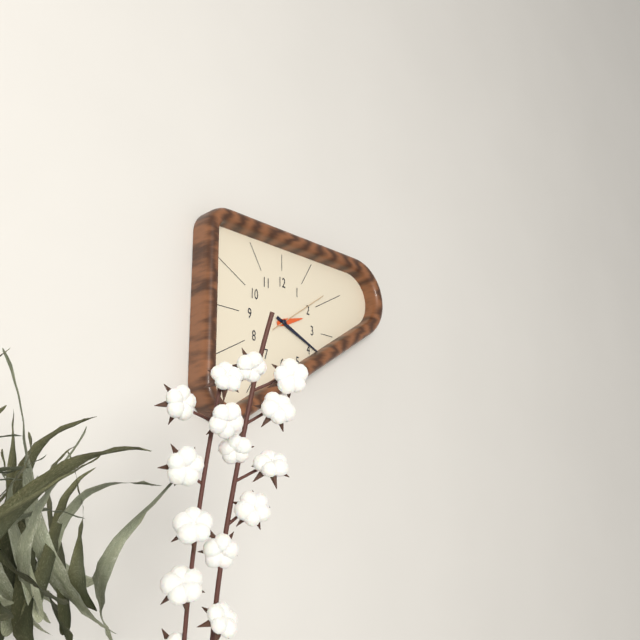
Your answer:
**2:19:09**
